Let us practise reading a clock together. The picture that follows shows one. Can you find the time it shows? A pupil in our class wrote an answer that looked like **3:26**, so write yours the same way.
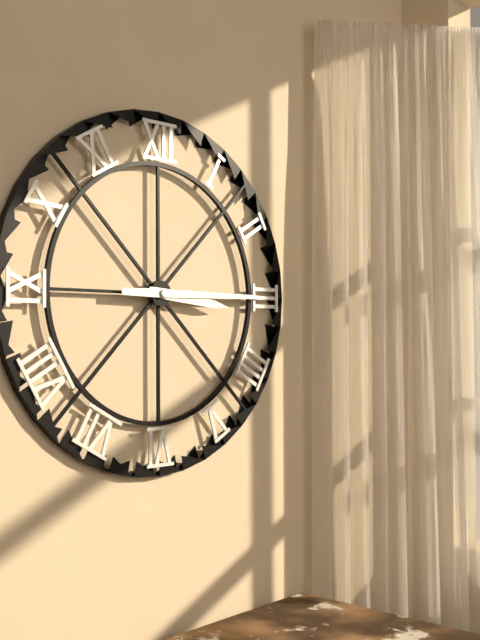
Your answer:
**3:15**
